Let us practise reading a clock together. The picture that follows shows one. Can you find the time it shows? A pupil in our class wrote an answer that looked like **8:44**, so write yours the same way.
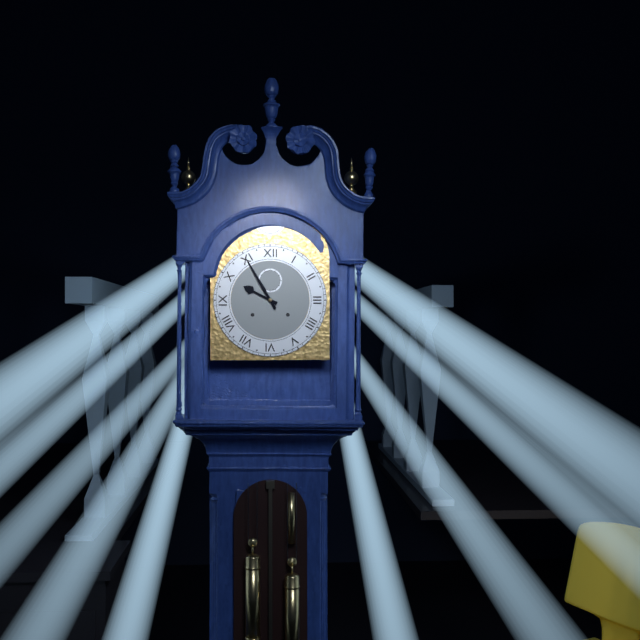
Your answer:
**9:55**
